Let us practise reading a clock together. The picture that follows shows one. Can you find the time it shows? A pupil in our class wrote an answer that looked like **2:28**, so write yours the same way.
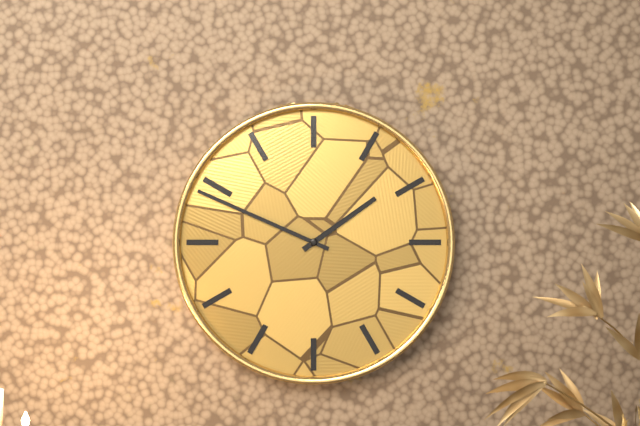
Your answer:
**1:49**
